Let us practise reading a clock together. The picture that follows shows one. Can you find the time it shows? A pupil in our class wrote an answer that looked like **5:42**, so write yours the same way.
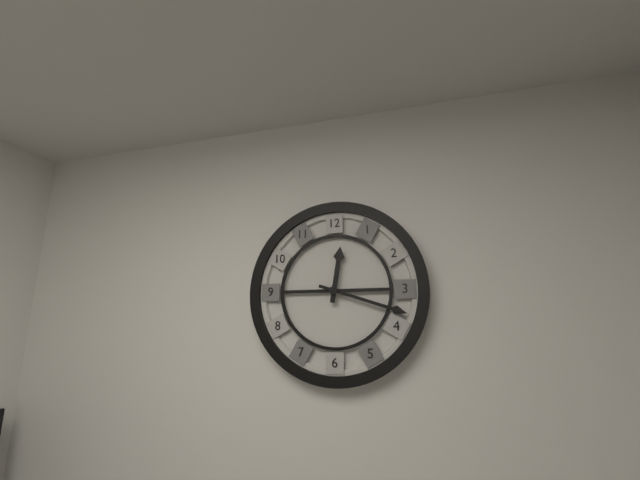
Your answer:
**12:18**
